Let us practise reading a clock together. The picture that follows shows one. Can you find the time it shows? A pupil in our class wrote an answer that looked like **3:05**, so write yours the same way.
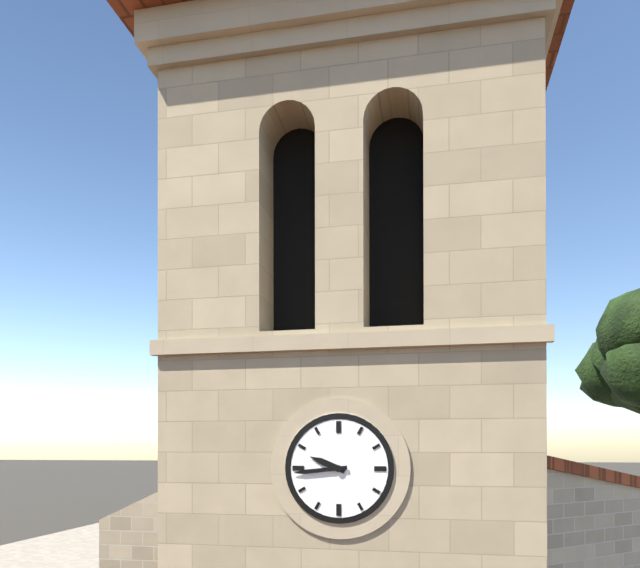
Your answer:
**9:44**
